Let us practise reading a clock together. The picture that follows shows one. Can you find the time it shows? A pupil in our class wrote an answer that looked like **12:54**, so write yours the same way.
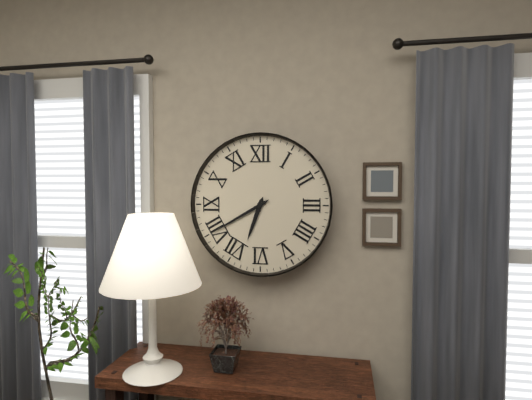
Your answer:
**6:40**
